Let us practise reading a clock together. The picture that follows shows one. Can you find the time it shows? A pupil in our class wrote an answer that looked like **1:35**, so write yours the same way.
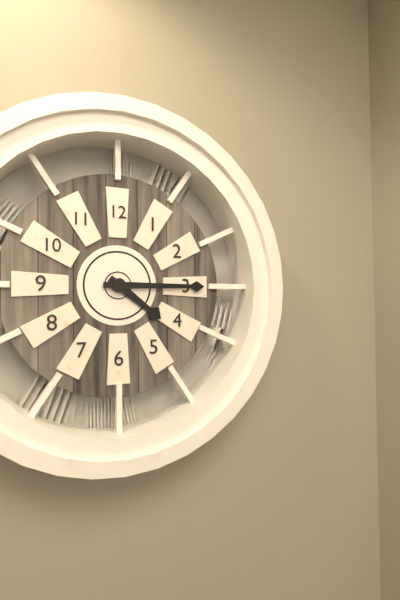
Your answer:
**4:15**
